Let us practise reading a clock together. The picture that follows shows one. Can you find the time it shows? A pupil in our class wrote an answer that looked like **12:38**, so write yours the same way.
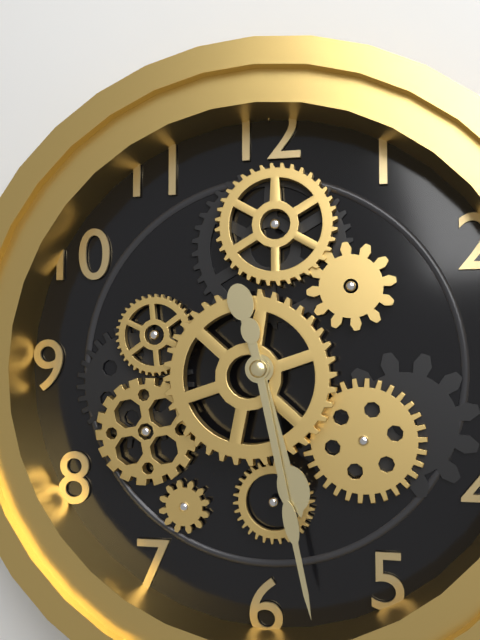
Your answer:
**5:28**
